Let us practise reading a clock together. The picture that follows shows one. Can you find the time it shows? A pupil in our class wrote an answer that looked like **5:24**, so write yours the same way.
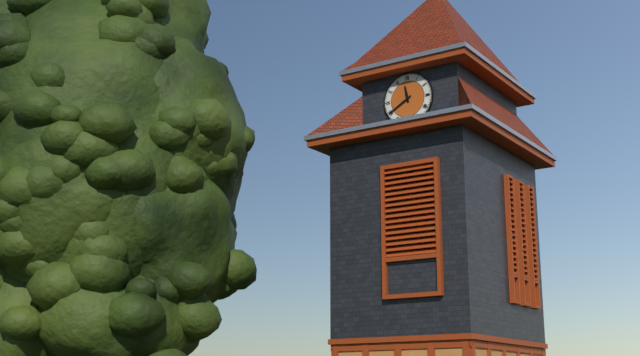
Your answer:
**11:40**
